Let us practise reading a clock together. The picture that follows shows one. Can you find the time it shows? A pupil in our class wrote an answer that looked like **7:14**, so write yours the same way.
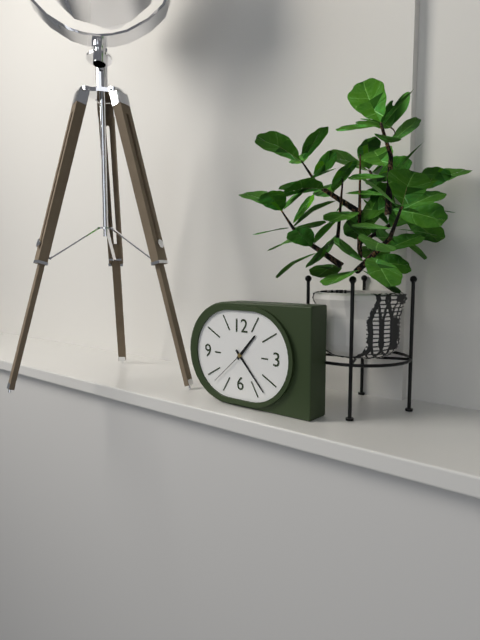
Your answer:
**1:23**
